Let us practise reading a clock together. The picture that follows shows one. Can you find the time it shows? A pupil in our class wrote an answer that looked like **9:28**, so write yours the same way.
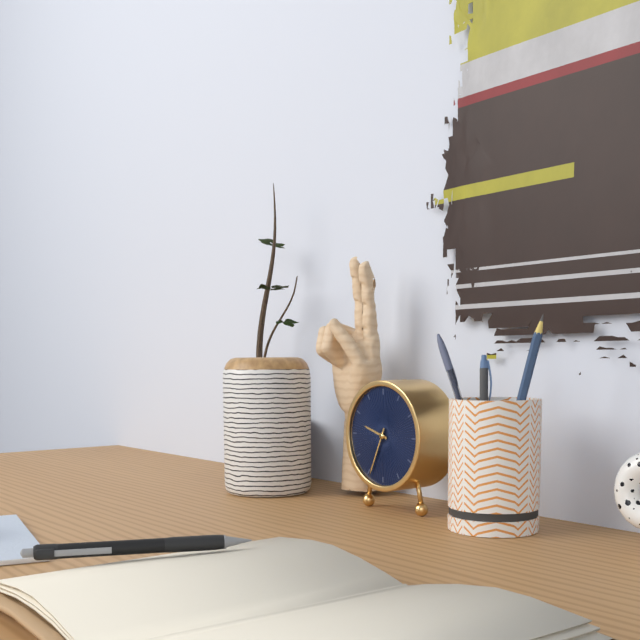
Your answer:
**9:34**
